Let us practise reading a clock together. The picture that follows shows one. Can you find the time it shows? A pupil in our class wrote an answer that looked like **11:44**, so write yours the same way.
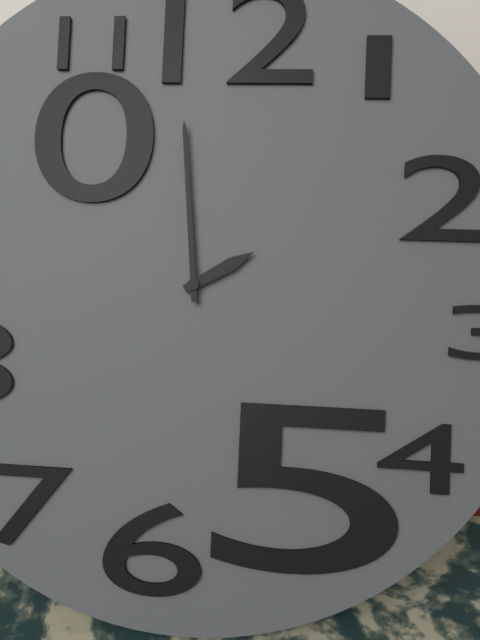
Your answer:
**1:59**
